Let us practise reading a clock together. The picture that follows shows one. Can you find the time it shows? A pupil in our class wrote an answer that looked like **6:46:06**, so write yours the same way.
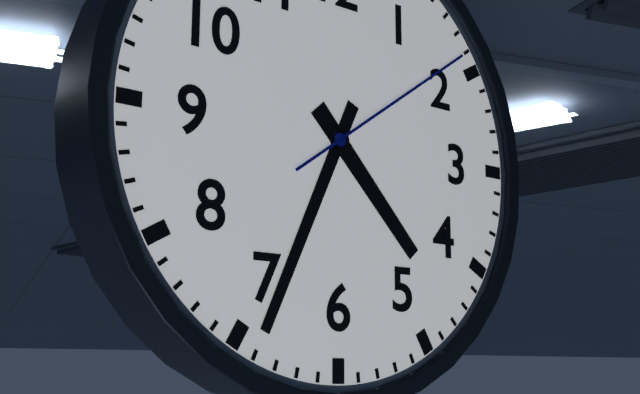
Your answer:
**4:34:09**
